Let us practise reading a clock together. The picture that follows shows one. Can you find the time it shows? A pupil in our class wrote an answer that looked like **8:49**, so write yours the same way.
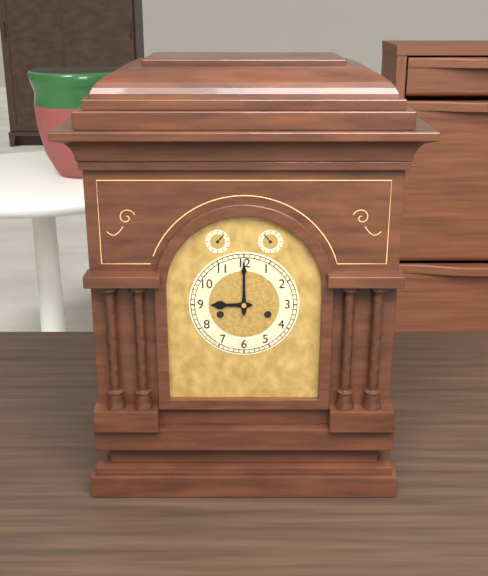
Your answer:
**9:00**
